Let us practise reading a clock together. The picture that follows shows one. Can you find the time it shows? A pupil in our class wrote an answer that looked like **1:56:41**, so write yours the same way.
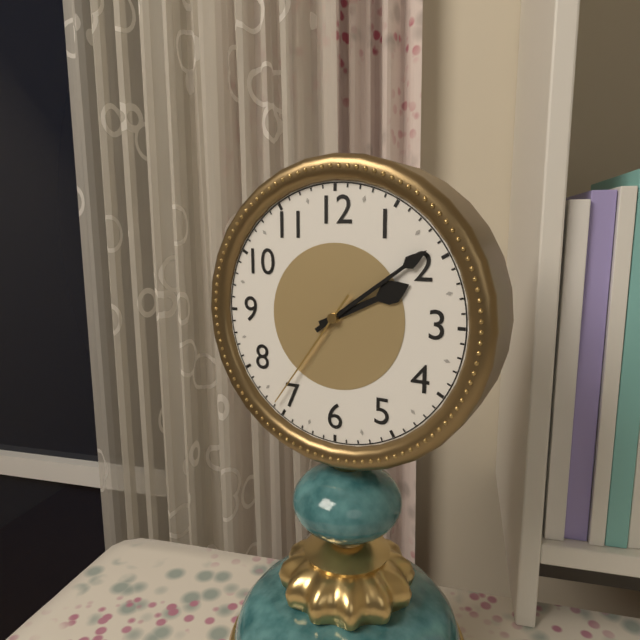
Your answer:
**2:09:36**
